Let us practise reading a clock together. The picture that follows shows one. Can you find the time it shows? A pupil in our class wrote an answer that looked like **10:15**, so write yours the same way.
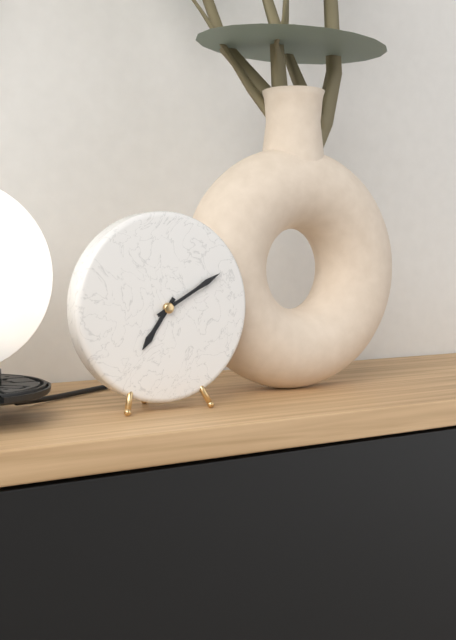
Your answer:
**7:10**
